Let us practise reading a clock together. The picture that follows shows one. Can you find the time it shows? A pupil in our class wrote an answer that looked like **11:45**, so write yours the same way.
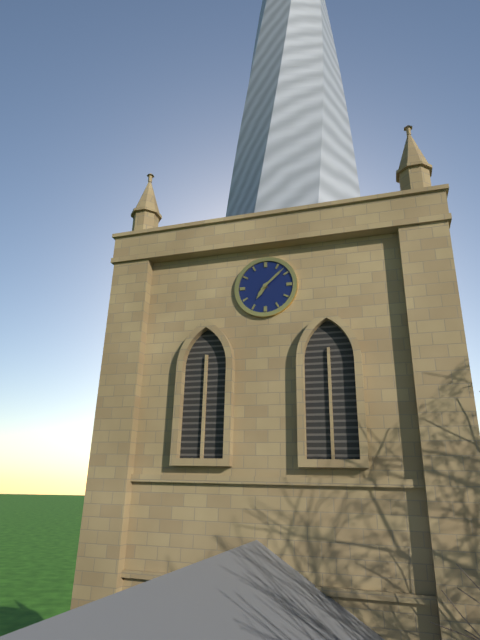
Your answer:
**7:08**
